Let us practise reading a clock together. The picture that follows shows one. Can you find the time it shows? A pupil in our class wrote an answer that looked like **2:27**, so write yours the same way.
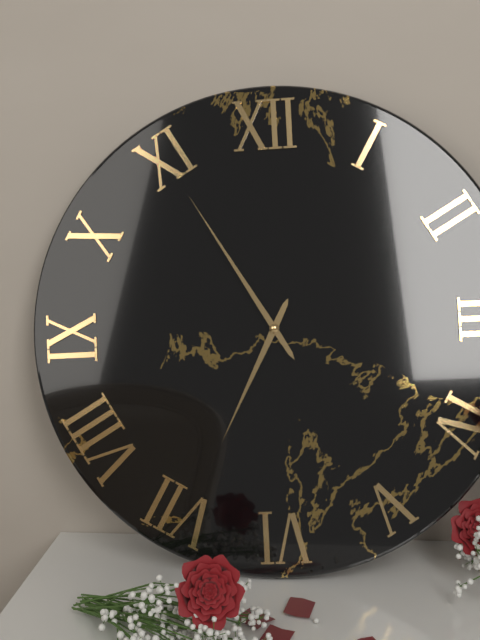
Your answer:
**6:55**
